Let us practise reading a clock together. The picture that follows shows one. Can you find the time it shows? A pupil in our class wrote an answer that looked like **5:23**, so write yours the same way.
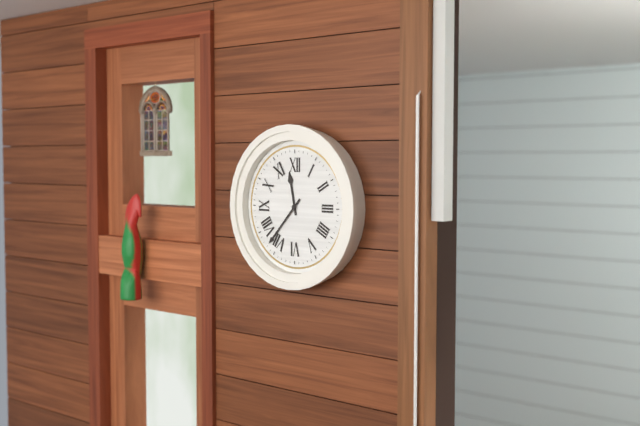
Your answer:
**11:37**
